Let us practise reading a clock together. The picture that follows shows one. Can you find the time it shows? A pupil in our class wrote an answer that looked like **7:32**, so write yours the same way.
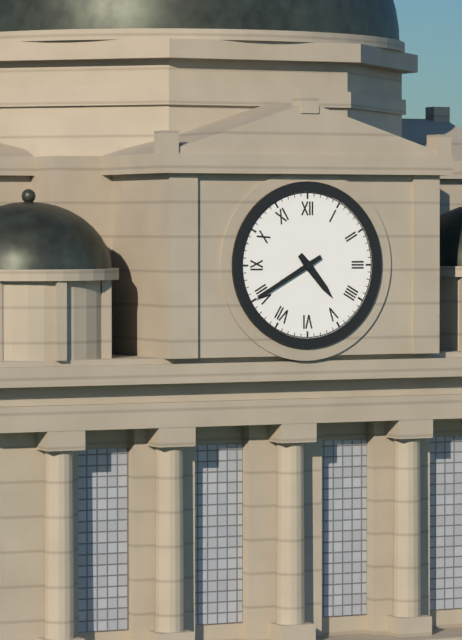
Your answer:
**4:40**
